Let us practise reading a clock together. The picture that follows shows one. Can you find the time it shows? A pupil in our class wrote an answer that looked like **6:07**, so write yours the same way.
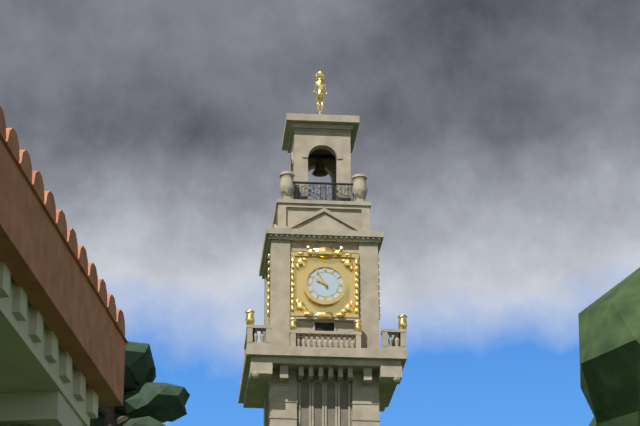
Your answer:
**9:55**
